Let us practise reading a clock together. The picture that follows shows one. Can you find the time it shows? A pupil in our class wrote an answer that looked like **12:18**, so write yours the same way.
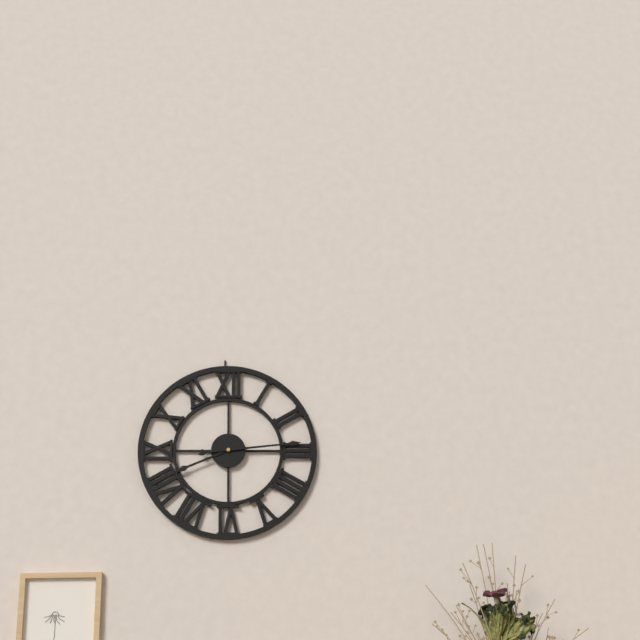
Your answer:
**8:14**
